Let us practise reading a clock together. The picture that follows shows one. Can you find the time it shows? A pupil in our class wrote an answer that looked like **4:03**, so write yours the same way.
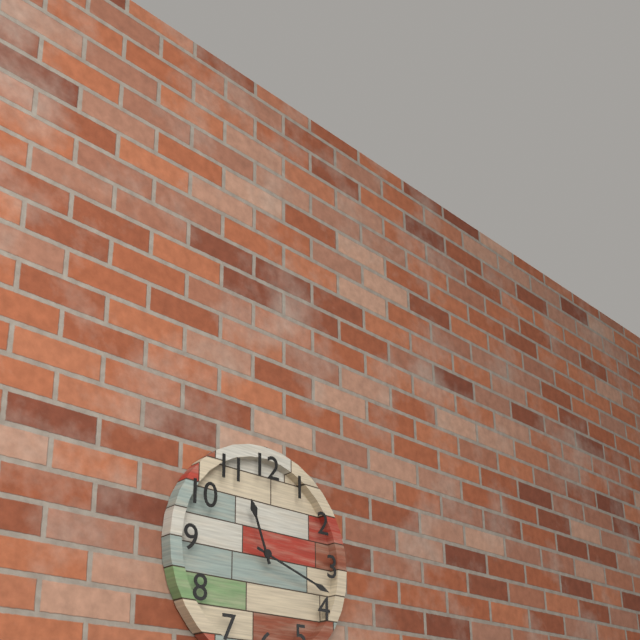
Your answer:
**11:18**
